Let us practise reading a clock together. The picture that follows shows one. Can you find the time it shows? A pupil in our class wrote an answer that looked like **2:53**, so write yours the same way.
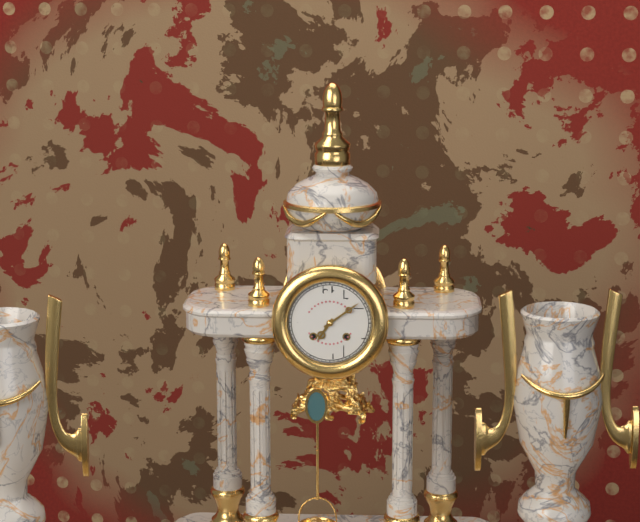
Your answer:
**7:09**
